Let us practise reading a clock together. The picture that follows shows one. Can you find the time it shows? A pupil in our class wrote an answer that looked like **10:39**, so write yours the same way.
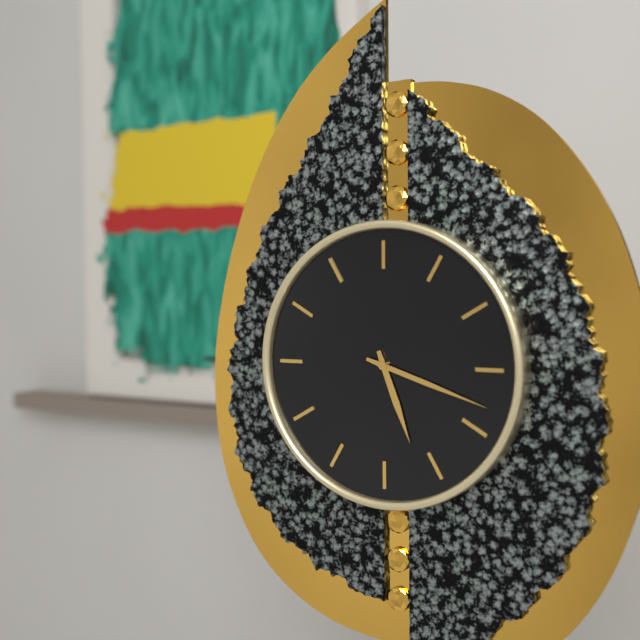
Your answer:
**5:18**
